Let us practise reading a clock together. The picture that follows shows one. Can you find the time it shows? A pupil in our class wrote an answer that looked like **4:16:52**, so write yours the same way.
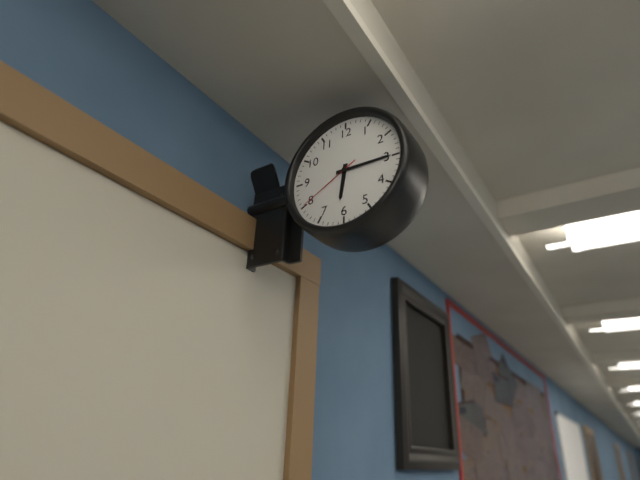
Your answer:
**6:15:40**
